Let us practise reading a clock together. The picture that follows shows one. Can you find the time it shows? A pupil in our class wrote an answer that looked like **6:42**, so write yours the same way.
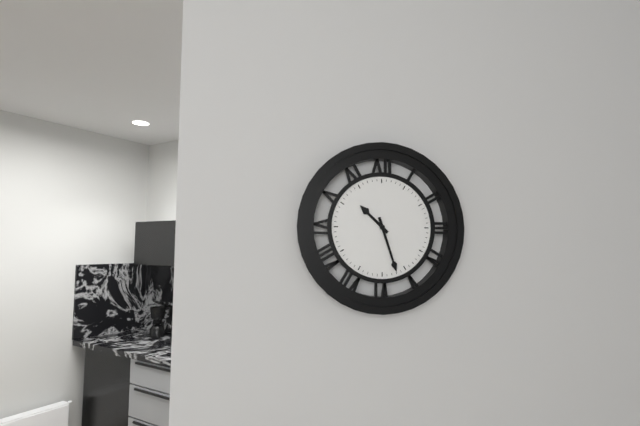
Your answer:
**10:27**
